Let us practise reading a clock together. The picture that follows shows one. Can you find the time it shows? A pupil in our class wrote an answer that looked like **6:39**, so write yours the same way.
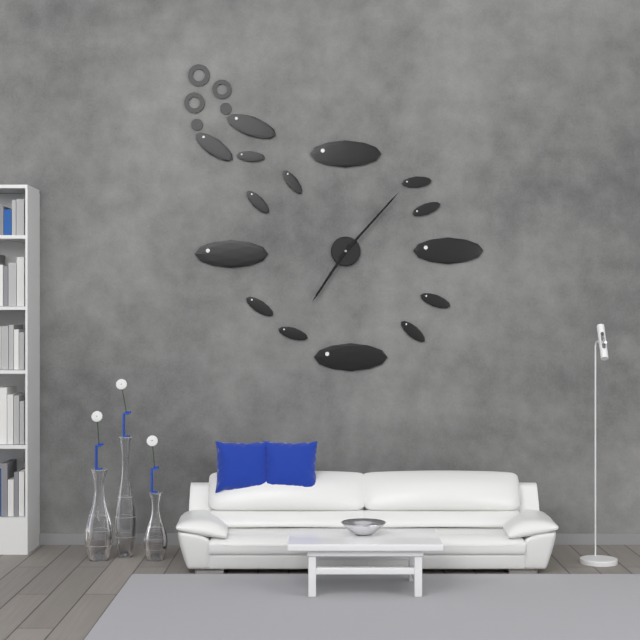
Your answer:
**7:07**
